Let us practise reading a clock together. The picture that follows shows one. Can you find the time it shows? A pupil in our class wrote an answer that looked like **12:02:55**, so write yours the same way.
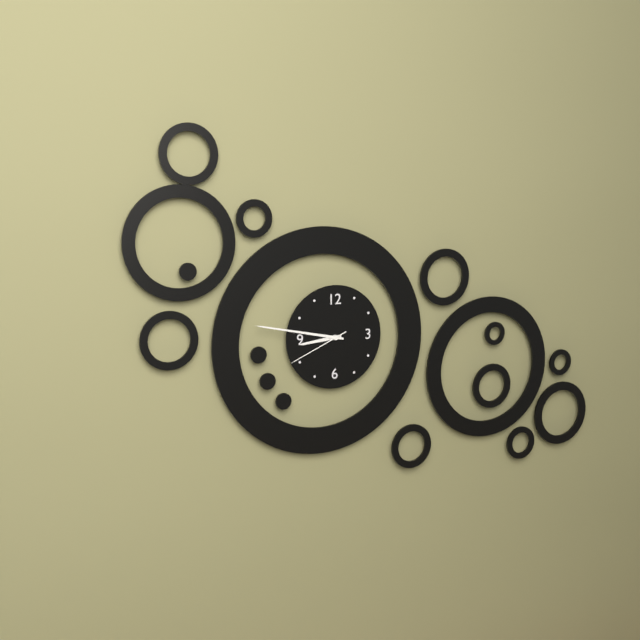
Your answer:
**8:47:41**
